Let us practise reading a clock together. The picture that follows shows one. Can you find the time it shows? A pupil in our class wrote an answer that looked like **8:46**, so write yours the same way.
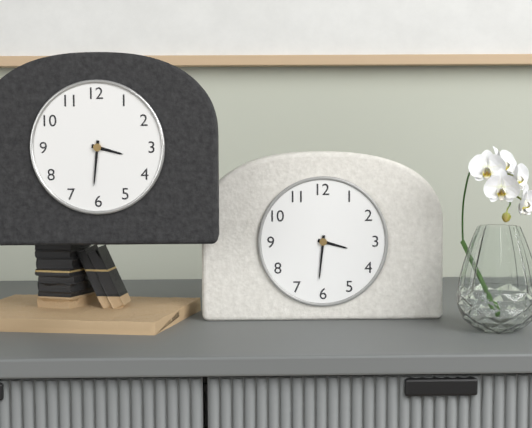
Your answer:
**3:31**
